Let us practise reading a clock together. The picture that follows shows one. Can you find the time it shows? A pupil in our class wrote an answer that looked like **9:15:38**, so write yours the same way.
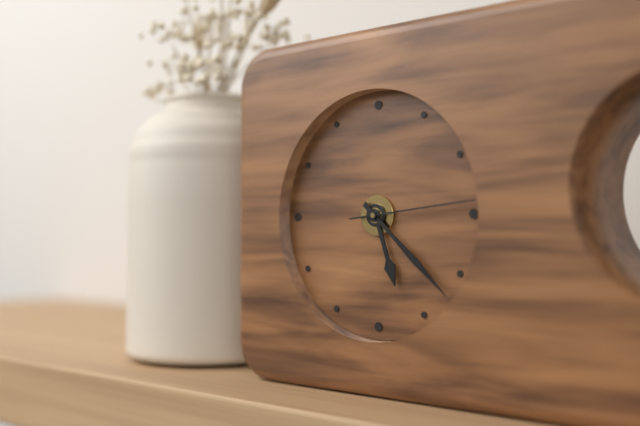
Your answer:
**5:22:14**
